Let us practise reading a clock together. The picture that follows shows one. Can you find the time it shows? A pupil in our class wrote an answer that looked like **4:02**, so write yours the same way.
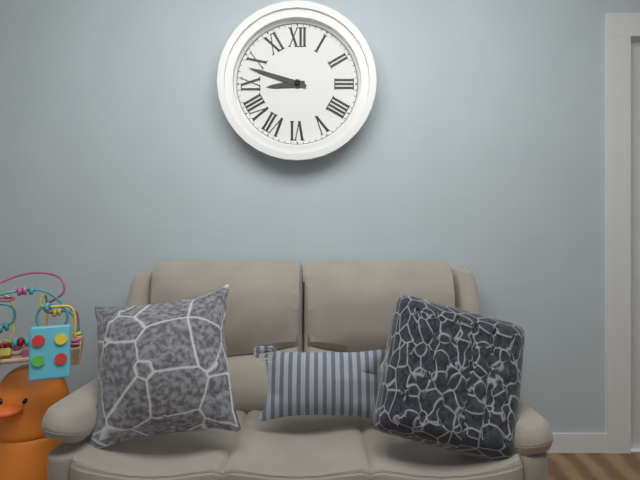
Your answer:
**8:48**
